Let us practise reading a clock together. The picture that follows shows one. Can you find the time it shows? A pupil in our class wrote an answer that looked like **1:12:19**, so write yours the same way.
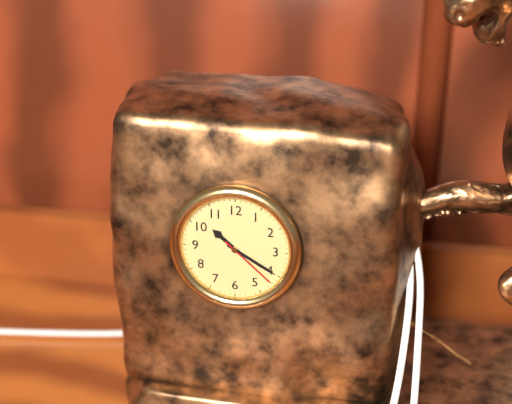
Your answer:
**10:20:22**
